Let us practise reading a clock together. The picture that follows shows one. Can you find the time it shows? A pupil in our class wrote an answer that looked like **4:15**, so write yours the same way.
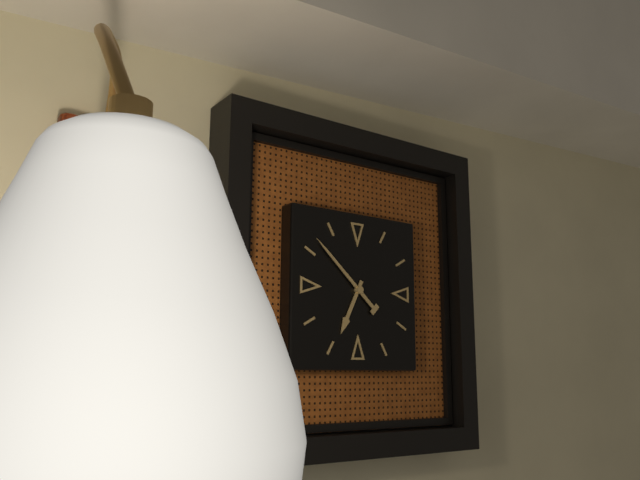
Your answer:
**6:52**
